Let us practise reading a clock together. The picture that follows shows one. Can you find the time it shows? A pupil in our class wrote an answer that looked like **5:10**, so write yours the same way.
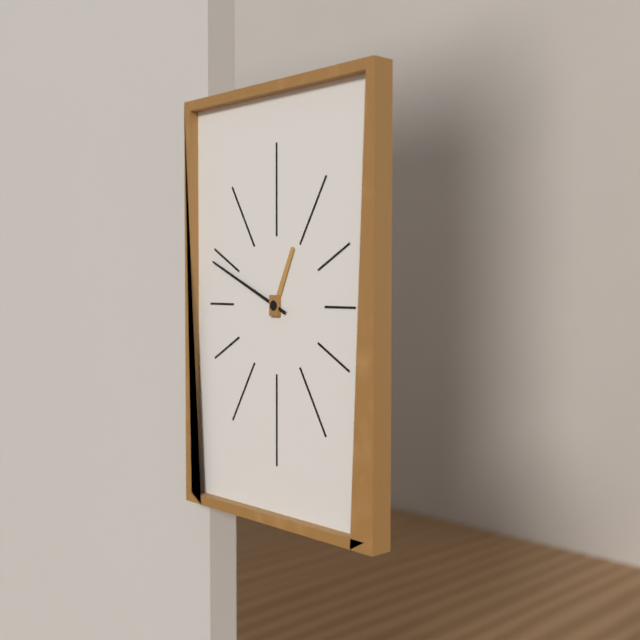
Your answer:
**12:49**
